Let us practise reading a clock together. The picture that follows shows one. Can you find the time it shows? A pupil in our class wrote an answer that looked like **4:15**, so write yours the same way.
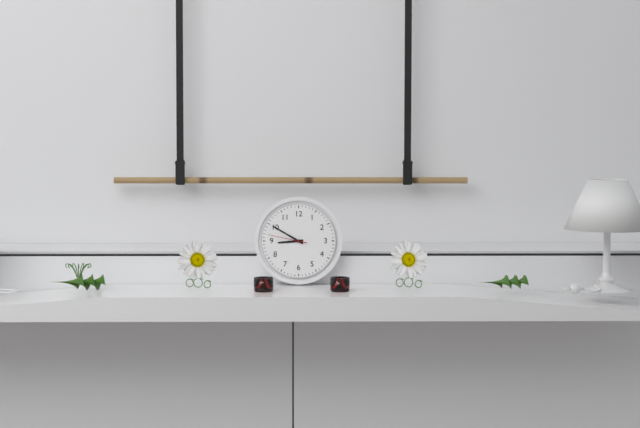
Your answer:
**8:50**
